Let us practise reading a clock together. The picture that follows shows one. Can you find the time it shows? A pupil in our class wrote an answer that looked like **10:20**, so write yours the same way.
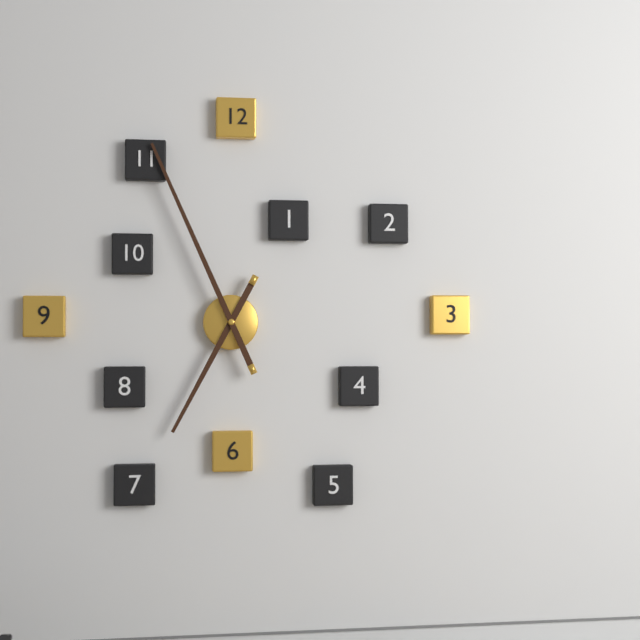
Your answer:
**6:56**
